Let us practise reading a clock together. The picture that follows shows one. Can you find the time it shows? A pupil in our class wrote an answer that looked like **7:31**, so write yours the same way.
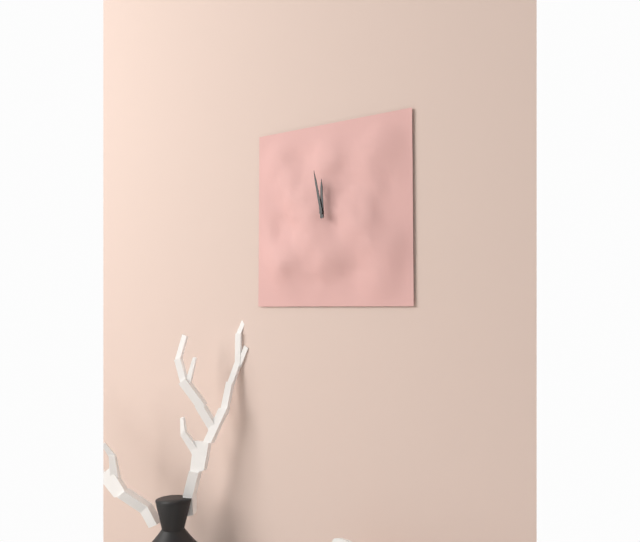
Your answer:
**11:58**
